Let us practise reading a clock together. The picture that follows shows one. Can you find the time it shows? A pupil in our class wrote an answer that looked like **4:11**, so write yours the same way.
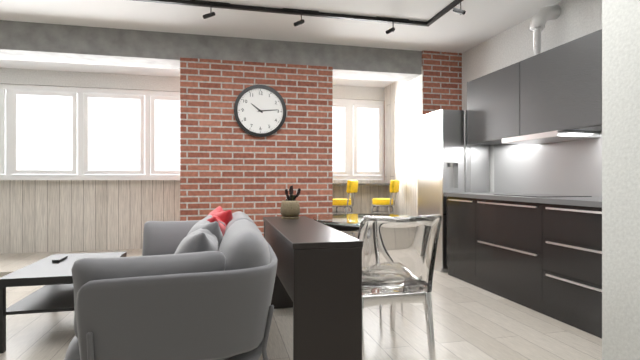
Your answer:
**10:14**
